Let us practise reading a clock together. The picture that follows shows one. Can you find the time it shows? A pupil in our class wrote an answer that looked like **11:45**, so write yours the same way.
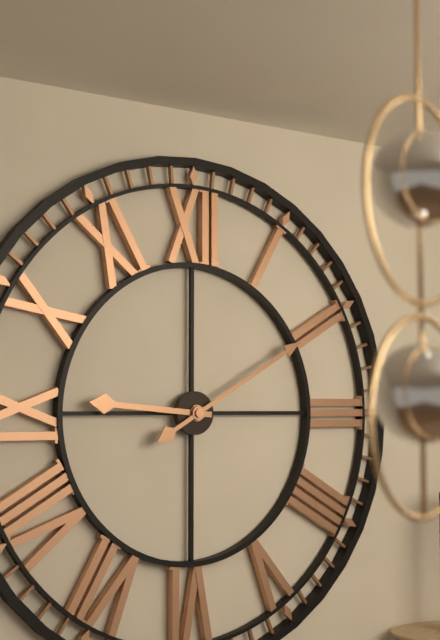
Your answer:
**9:10**
